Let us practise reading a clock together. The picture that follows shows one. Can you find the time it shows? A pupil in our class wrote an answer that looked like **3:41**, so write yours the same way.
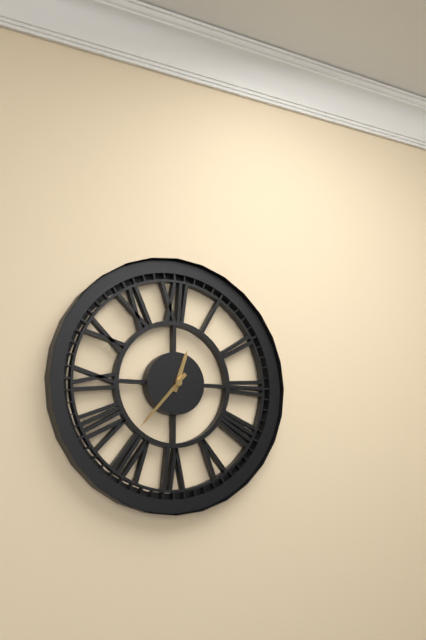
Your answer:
**12:37**
